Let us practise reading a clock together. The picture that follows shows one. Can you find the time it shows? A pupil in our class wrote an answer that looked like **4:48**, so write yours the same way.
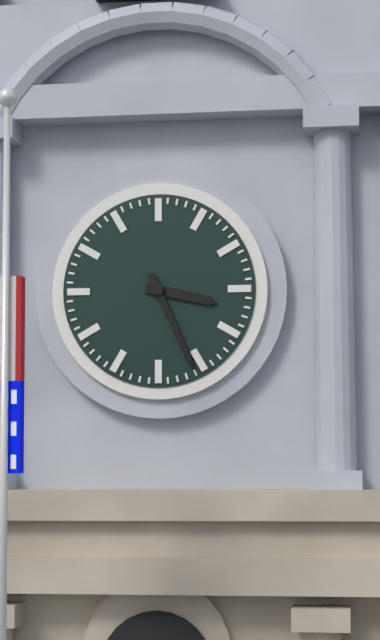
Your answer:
**3:26**
